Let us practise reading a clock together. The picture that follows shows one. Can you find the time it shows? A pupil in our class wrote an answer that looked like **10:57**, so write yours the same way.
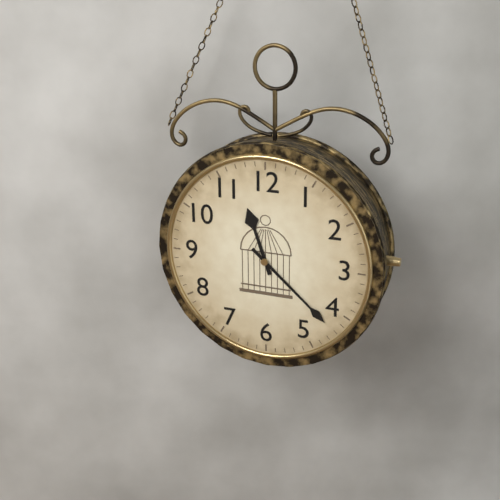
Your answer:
**11:22**
